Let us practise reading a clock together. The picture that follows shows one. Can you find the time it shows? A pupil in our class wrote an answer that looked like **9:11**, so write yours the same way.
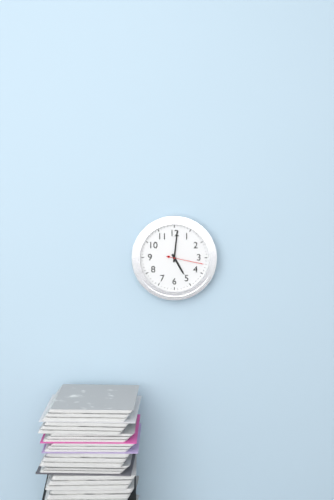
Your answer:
**5:01**
